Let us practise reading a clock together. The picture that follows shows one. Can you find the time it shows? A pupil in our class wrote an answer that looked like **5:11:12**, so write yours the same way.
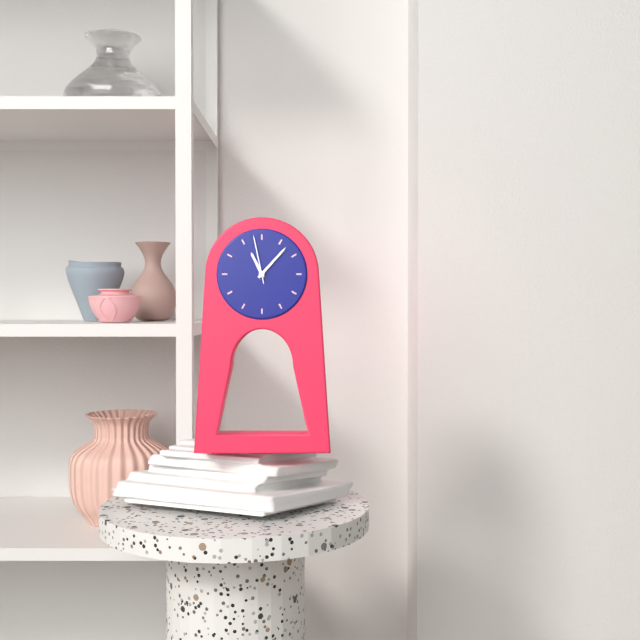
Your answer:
**11:07:58**
